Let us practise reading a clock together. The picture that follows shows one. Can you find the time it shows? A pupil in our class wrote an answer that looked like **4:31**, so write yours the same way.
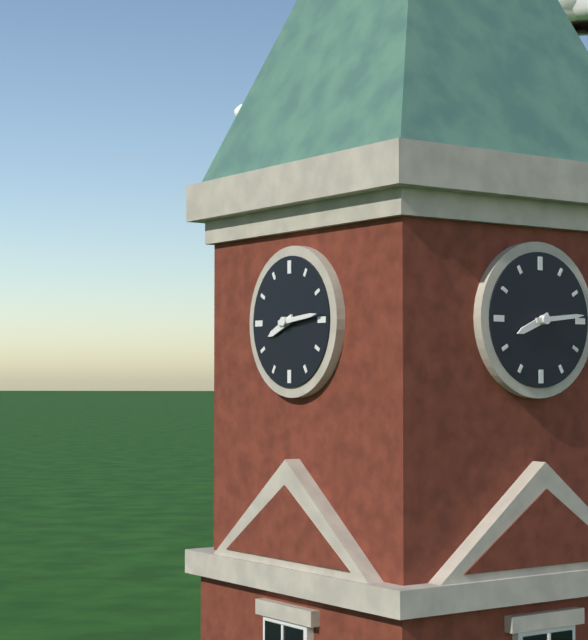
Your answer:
**8:14**
